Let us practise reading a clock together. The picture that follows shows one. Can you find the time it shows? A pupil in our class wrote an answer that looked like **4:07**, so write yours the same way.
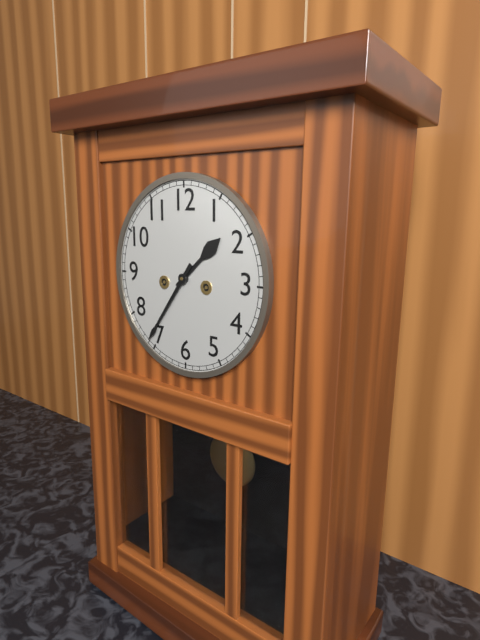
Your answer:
**1:36**
